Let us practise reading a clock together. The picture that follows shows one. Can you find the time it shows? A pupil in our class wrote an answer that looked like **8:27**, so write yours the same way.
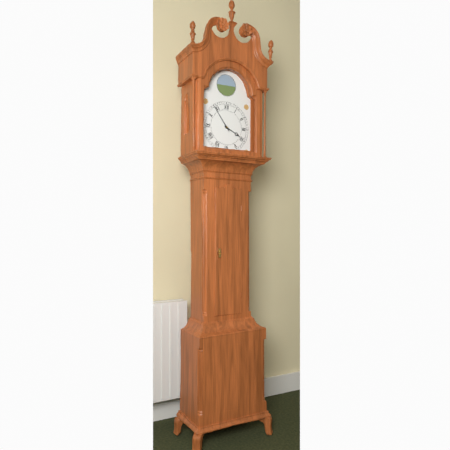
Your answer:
**3:54**
